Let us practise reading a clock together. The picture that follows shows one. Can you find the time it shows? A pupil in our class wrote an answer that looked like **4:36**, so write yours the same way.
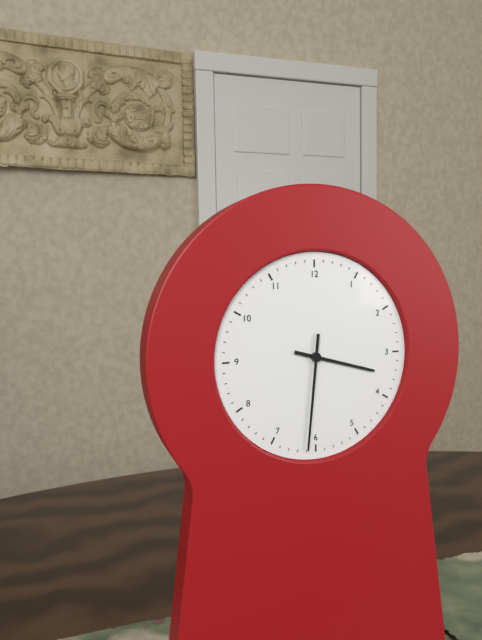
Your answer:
**3:31**
